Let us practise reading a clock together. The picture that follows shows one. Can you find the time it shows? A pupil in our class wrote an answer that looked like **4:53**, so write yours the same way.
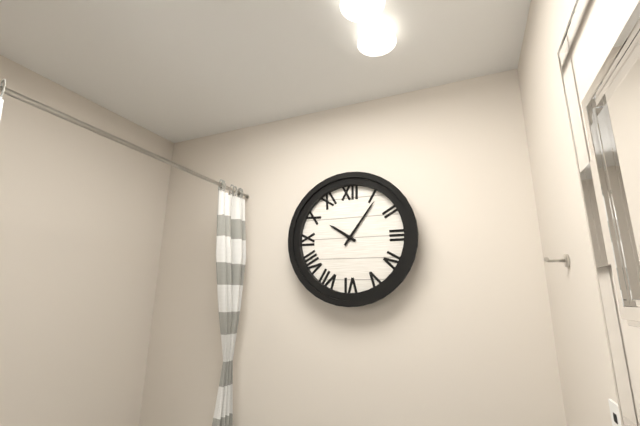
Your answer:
**10:06**
